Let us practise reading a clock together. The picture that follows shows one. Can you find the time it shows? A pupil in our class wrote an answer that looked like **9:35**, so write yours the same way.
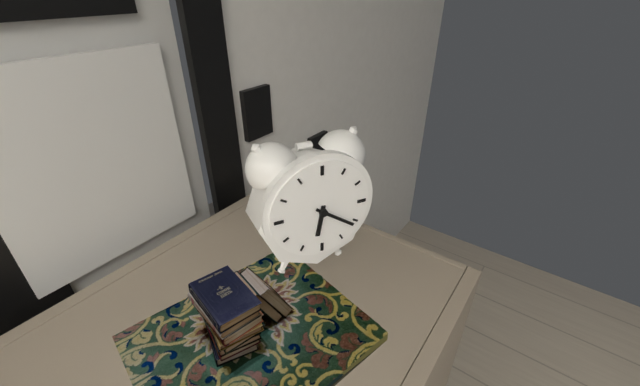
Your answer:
**6:21**
